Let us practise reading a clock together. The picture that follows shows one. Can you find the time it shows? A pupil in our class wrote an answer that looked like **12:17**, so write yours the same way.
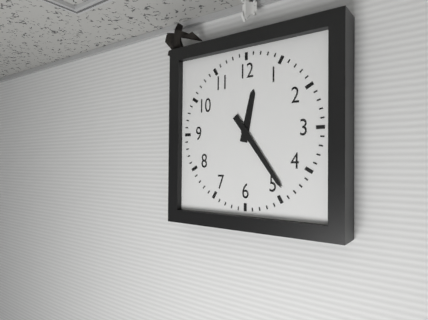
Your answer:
**12:24**
